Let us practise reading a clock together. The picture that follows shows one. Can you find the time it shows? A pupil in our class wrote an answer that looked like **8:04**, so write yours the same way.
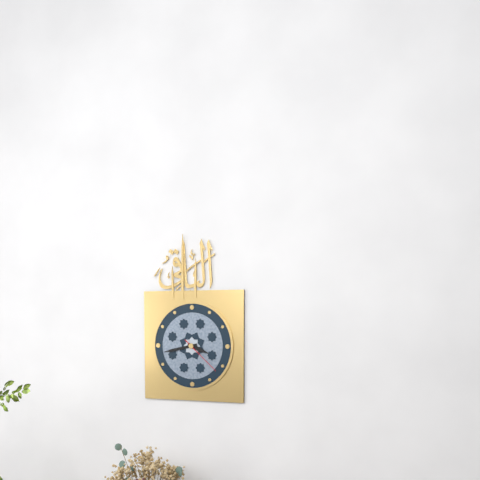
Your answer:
**3:43**
